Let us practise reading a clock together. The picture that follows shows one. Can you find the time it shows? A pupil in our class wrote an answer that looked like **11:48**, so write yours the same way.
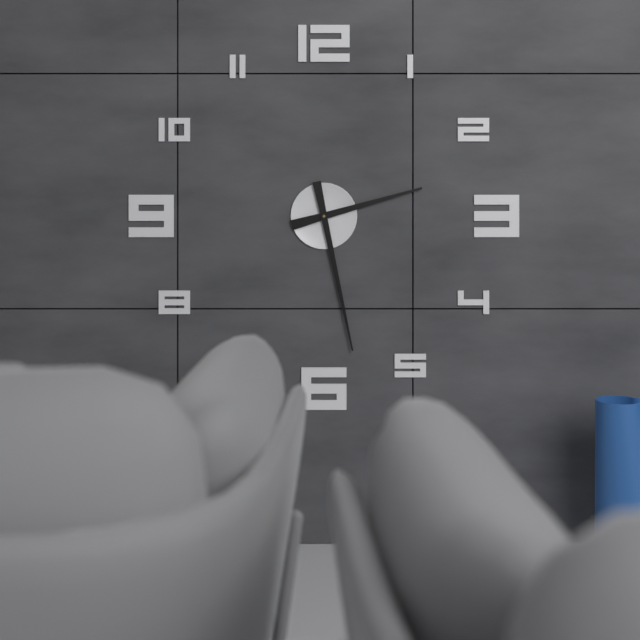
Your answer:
**2:28**
